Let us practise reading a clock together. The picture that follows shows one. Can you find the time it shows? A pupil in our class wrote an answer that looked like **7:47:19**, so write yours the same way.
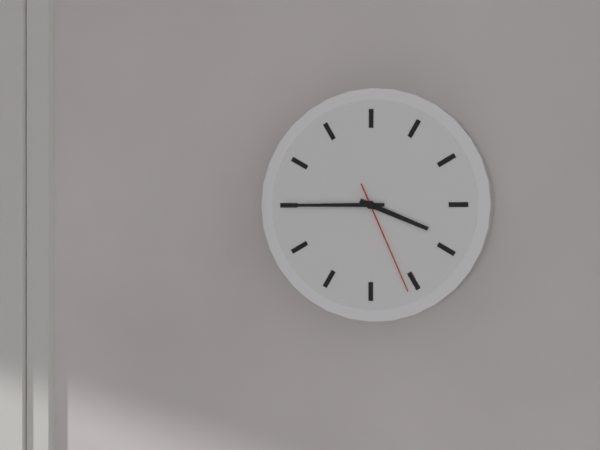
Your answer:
**3:45:26**
